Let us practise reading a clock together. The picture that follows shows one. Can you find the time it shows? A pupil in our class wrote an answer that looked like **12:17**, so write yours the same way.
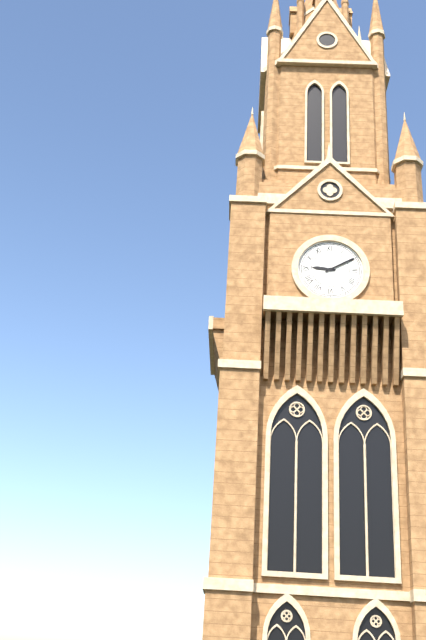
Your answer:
**9:10**
